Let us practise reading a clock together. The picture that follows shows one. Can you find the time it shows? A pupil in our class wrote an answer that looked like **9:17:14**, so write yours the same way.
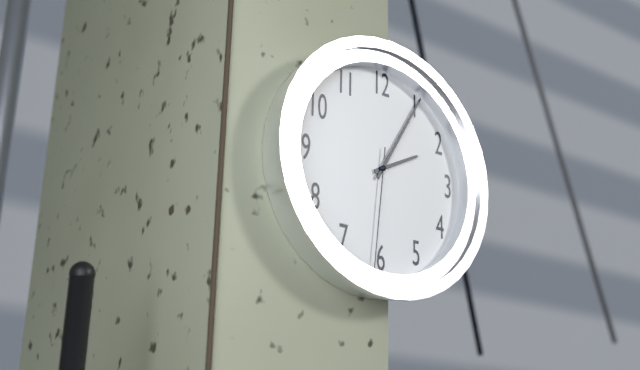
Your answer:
**2:05:31**
